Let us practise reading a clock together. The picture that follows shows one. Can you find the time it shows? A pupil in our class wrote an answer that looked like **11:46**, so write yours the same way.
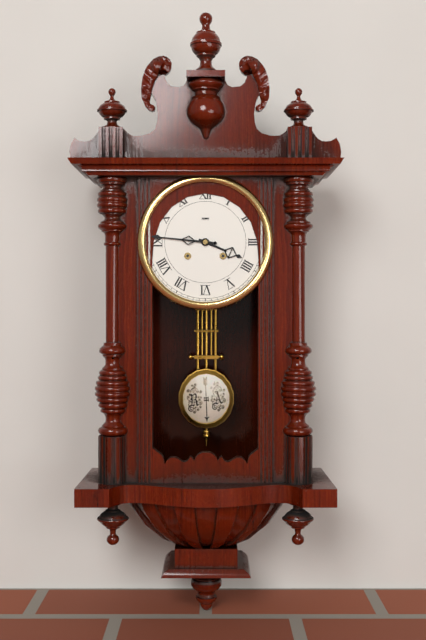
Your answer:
**3:46**
